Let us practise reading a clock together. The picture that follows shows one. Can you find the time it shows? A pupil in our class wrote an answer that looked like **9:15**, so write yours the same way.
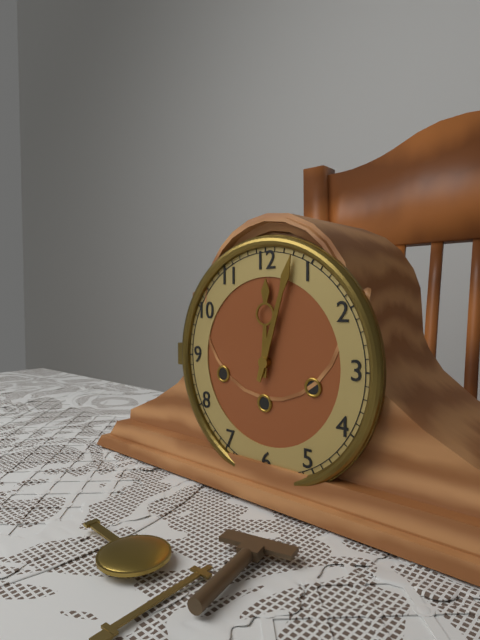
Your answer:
**12:03**
